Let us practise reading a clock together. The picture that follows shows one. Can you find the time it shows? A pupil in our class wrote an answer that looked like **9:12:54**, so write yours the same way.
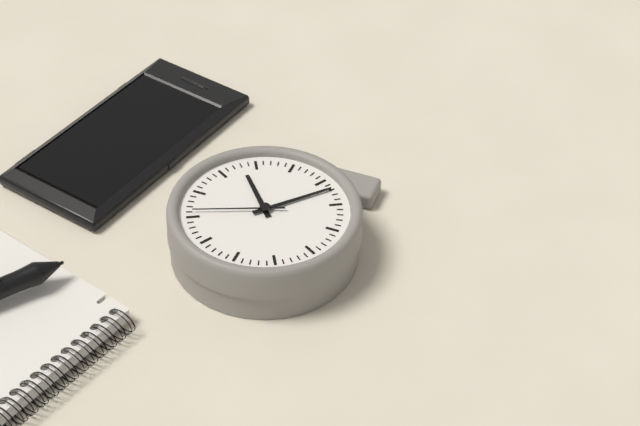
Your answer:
**4:37:11**
